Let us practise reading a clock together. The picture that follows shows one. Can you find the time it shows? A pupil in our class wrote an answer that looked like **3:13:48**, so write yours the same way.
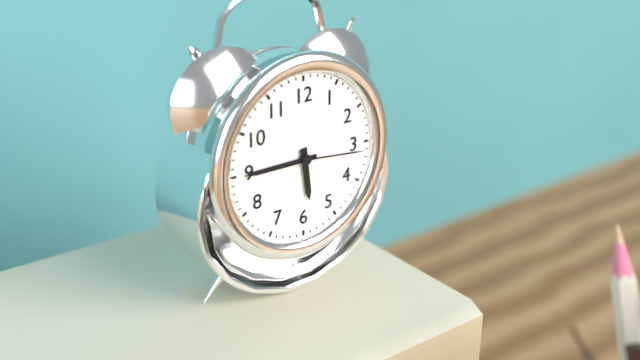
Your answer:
**5:45:16**
